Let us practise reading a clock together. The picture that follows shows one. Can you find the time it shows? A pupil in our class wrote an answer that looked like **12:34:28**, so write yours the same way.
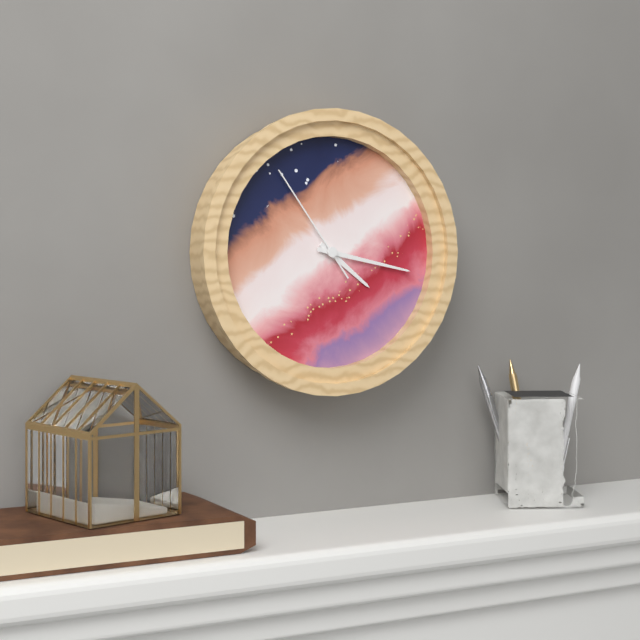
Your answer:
**4:17:54**
